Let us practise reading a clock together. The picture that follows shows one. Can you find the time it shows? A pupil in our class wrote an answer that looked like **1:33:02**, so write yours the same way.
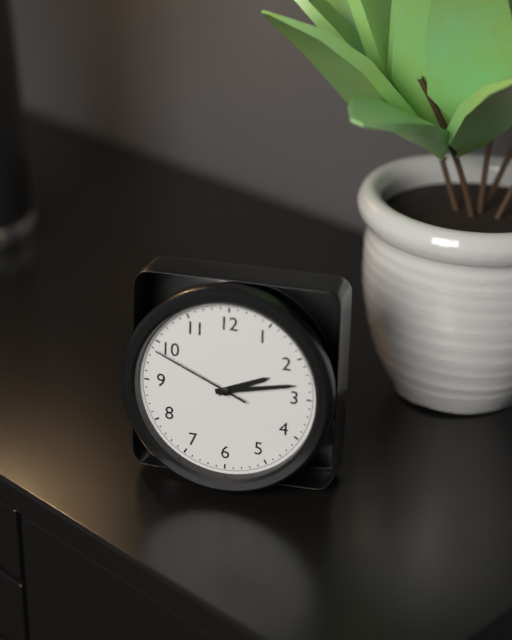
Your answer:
**2:13:49**
